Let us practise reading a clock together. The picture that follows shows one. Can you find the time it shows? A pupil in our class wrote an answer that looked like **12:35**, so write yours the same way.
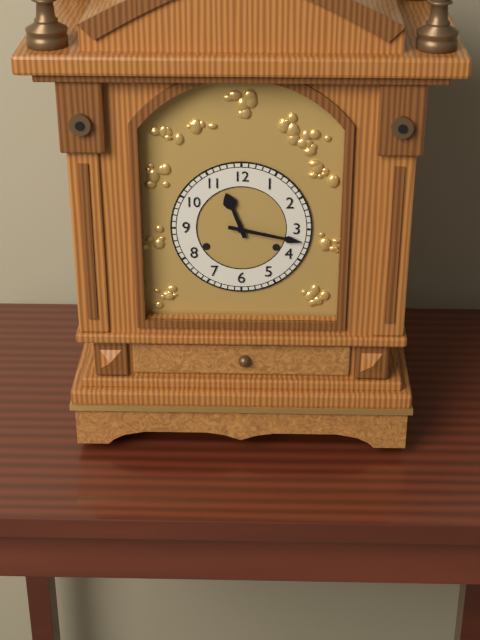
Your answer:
**11:17**
